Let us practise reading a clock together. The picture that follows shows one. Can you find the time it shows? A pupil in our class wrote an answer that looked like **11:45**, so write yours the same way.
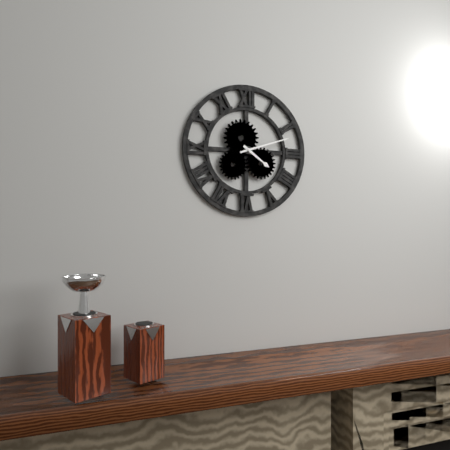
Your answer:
**4:12**
